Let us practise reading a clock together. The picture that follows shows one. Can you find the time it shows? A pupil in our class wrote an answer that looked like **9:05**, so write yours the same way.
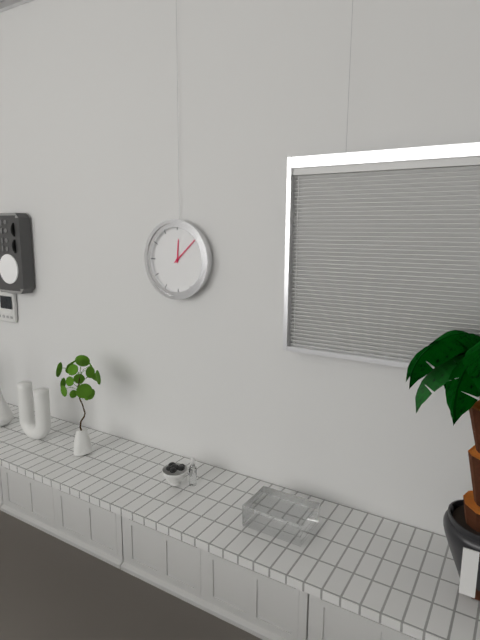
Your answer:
**12:08**
